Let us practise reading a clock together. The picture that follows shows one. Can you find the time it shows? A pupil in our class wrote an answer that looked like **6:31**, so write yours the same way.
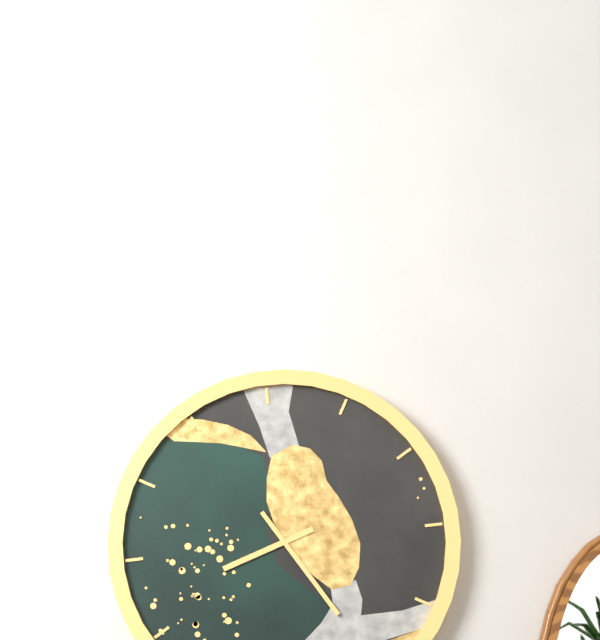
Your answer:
**8:25**
